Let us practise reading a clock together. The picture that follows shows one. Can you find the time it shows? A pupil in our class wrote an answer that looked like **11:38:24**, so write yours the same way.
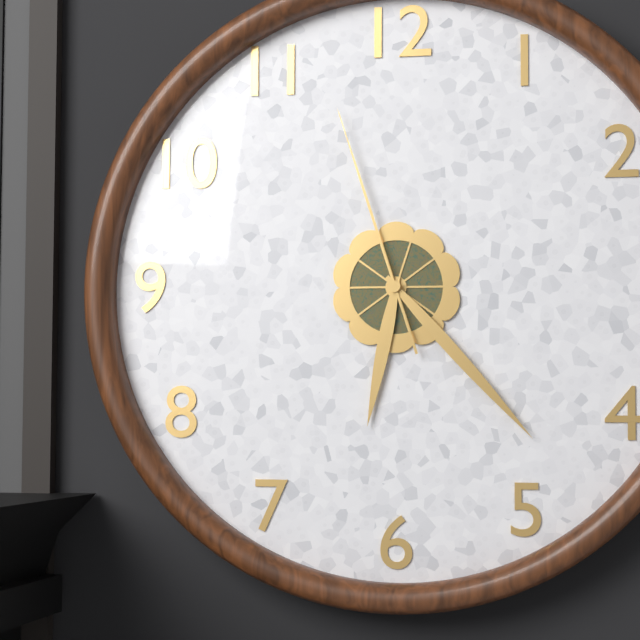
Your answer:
**6:23:57**
